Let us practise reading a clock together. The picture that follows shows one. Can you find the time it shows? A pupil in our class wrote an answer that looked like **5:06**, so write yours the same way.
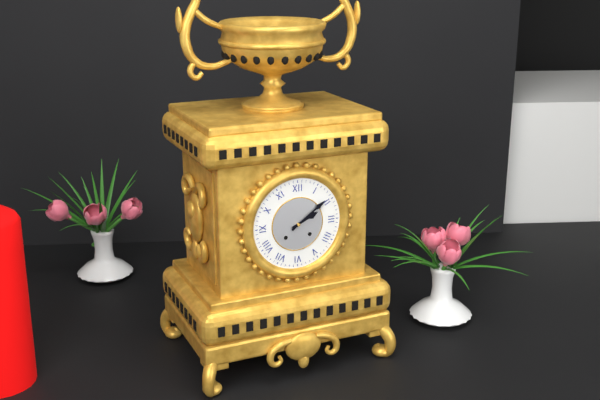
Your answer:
**2:09**
